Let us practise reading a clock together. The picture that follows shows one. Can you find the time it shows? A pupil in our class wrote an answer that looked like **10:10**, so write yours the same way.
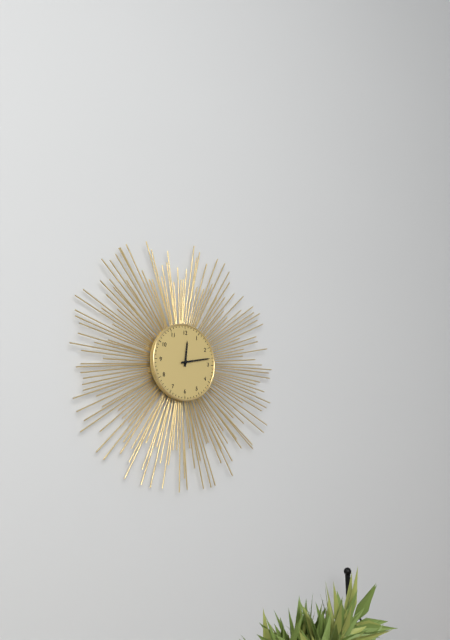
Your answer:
**12:13**
